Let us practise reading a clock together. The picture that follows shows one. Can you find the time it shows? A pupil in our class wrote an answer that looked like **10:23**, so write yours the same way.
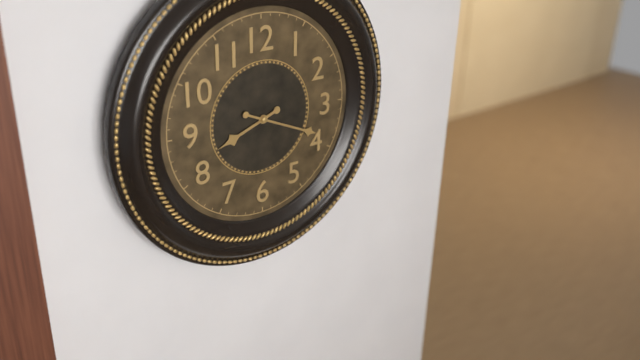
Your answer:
**8:19**
